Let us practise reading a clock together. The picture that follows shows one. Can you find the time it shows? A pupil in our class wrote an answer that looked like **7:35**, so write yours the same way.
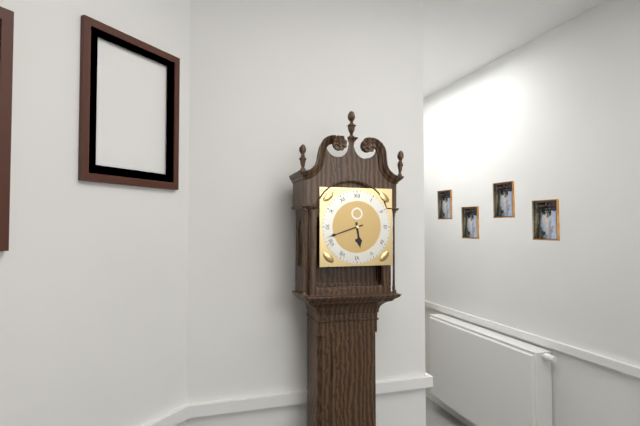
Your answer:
**5:42**
